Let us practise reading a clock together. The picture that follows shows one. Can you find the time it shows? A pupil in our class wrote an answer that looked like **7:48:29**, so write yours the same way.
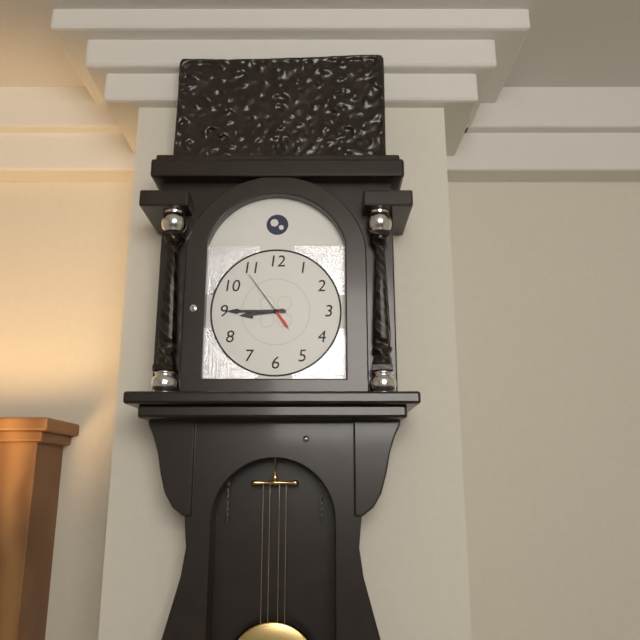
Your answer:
**8:45:54**
